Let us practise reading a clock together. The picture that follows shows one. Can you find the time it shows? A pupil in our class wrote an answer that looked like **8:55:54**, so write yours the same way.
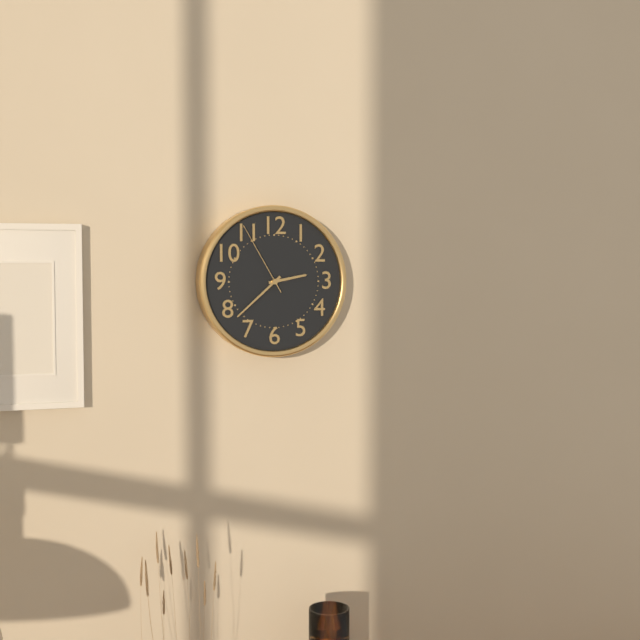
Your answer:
**2:38:55**
